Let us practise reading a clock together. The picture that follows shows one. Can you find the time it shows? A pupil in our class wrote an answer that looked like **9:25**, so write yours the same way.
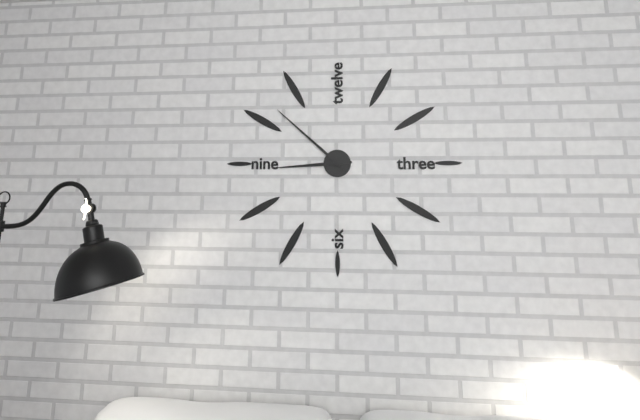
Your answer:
**8:52**
